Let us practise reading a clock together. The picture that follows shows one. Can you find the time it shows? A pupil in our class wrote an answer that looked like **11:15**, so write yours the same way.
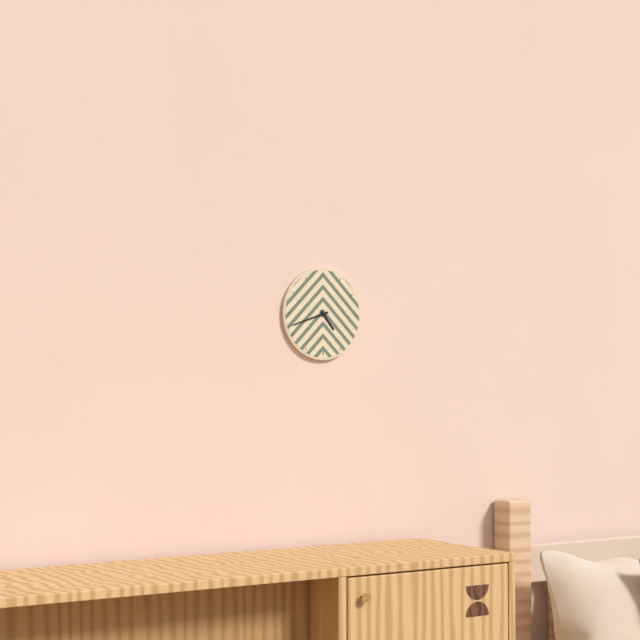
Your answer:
**4:42**
